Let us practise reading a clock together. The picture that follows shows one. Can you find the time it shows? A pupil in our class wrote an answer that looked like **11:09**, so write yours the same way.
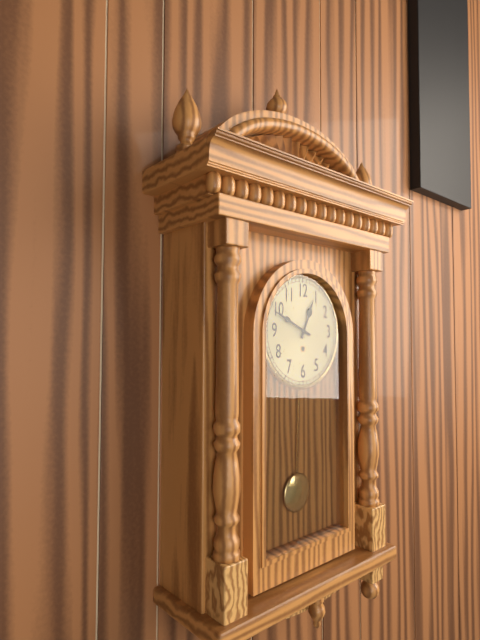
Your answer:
**12:49**
